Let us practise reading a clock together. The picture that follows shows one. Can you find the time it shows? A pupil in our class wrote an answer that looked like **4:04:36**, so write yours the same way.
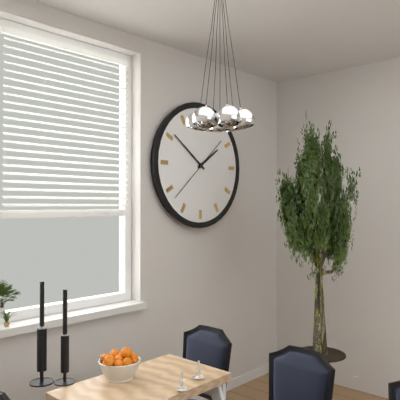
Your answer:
**1:51:38**
